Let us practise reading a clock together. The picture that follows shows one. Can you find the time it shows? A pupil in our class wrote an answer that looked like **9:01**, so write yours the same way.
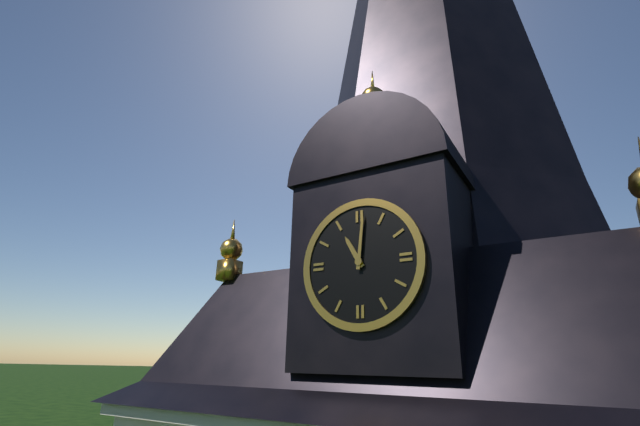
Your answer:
**11:01**
